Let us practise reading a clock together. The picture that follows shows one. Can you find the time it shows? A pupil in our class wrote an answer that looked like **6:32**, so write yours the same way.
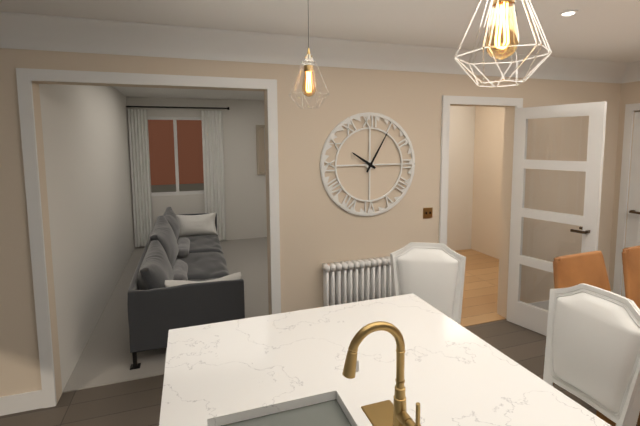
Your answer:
**10:05**
